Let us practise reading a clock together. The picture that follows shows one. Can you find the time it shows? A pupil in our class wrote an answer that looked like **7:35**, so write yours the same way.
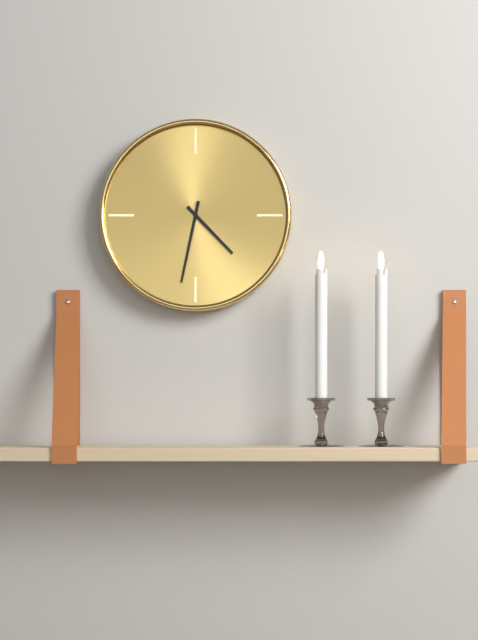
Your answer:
**4:32**
